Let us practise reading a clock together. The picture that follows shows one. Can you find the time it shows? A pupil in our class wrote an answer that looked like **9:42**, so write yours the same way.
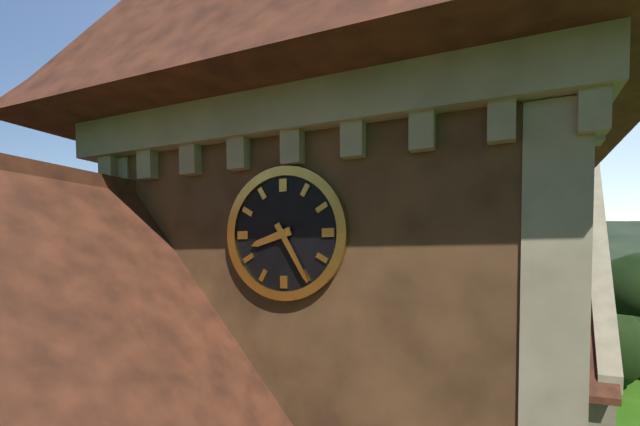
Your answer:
**8:25**
